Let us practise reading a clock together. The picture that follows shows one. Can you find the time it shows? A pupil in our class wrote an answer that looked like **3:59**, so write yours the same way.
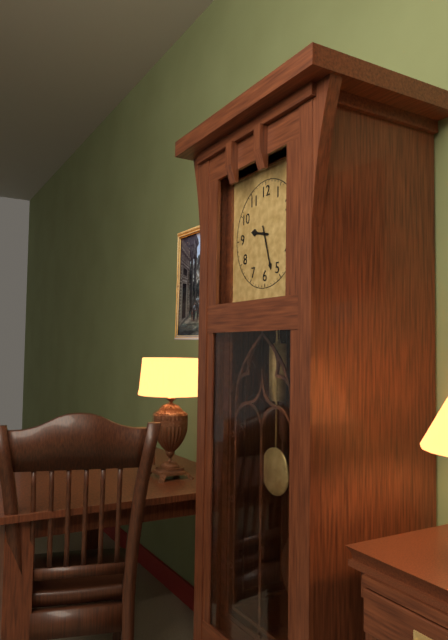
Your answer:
**9:27**
